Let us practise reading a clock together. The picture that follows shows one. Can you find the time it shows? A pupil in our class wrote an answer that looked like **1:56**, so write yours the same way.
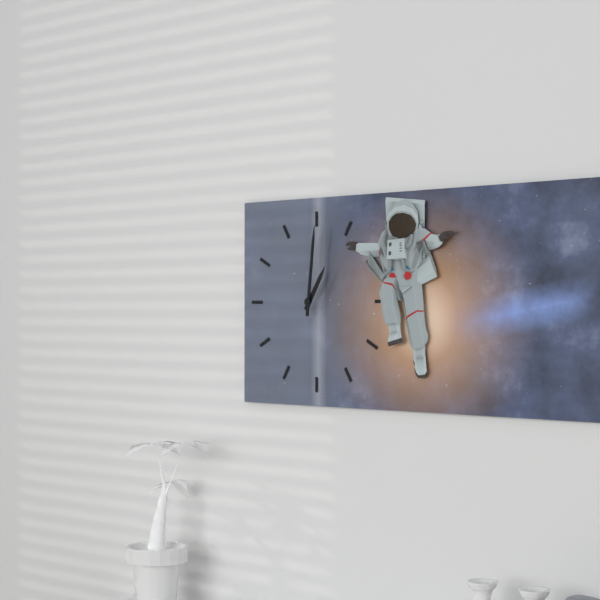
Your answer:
**1:01**
